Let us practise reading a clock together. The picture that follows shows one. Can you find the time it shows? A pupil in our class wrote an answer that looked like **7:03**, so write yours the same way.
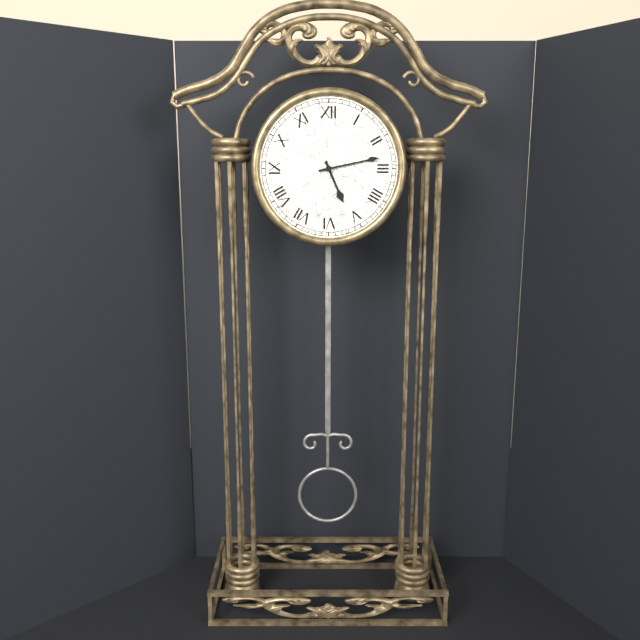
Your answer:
**5:13**
